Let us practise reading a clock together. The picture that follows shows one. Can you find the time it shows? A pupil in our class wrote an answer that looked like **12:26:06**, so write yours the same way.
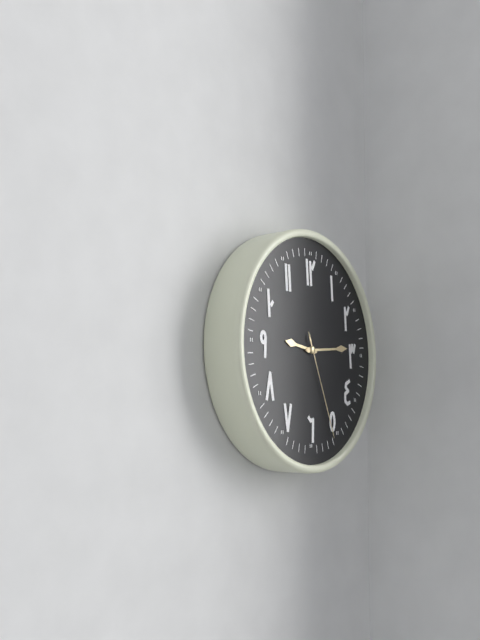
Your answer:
**9:14:26**
